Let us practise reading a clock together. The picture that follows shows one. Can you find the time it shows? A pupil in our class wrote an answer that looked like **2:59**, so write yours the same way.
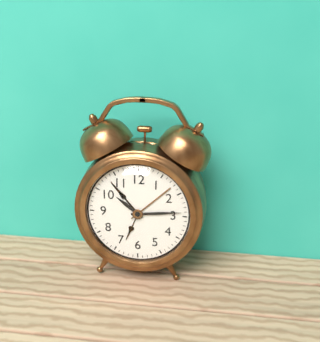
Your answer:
**10:14**
